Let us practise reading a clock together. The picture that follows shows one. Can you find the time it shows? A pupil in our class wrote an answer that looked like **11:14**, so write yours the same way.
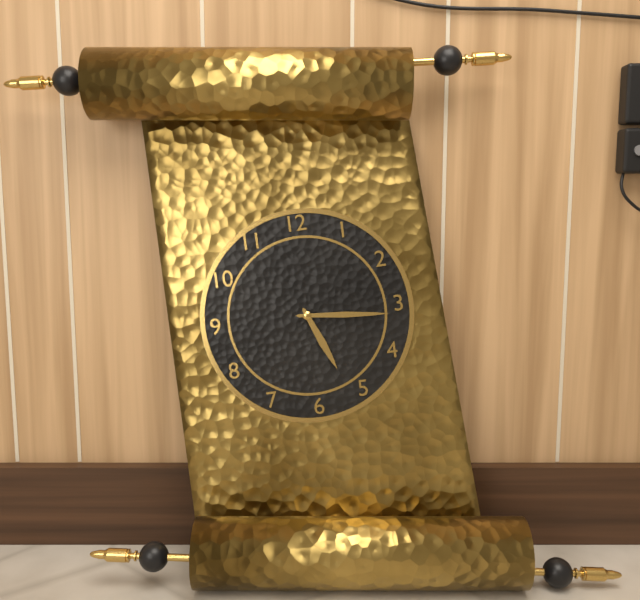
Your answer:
**5:16**
